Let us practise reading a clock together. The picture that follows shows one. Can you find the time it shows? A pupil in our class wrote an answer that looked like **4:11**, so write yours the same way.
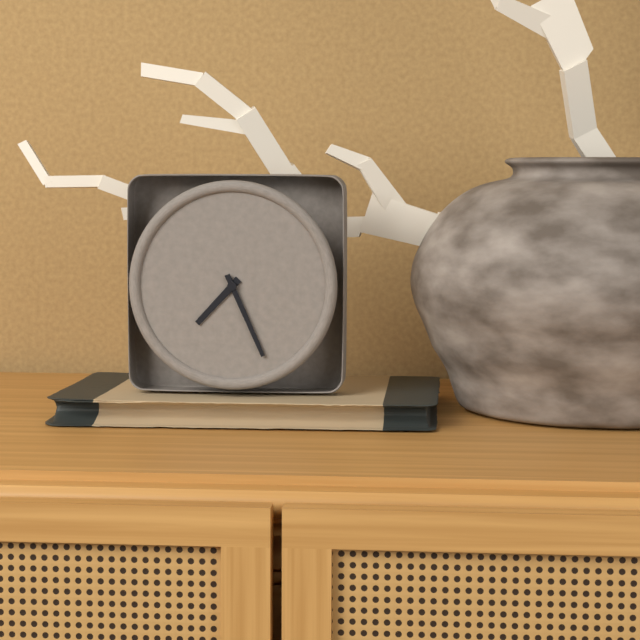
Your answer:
**7:26**
